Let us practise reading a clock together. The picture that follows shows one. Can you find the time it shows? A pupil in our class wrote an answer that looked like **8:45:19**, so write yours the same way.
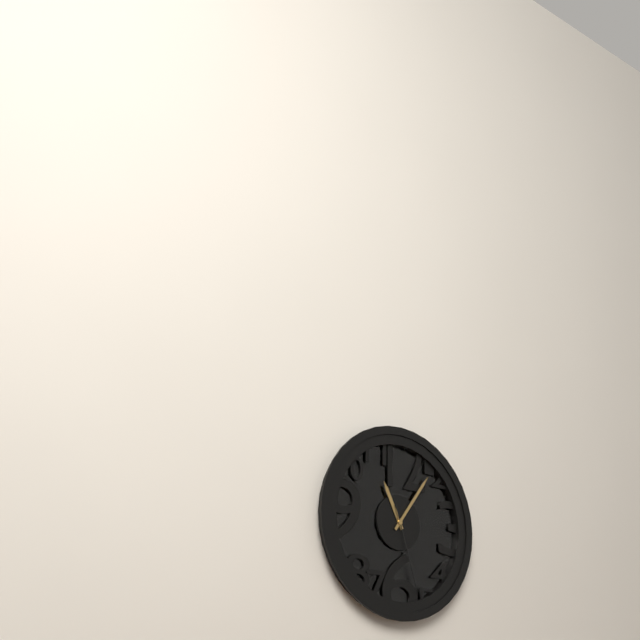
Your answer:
**11:06:27**
